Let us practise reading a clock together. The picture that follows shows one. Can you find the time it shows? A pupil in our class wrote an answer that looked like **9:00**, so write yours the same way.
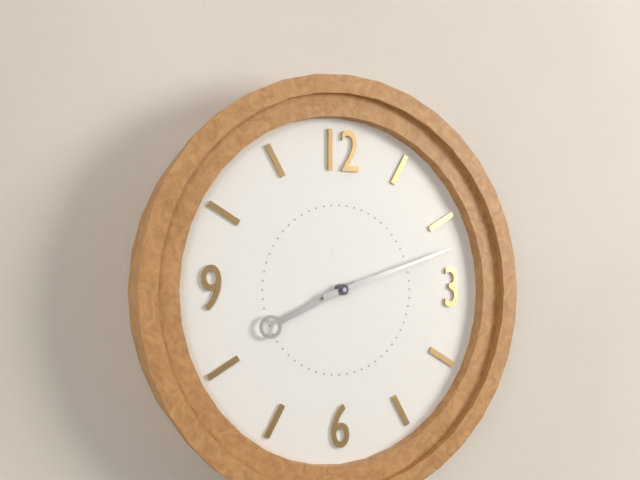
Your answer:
**8:12**
